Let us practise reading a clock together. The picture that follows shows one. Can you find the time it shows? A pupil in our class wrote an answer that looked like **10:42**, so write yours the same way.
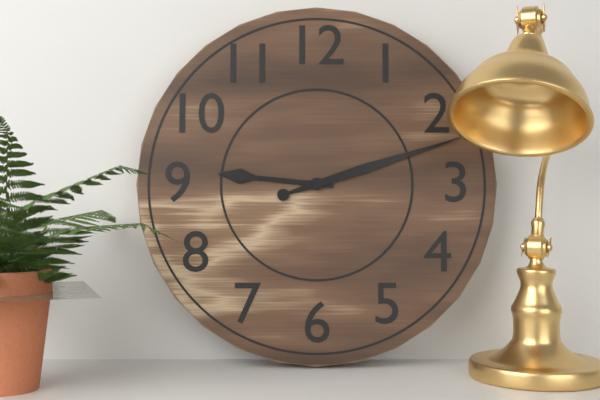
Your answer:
**9:12**
